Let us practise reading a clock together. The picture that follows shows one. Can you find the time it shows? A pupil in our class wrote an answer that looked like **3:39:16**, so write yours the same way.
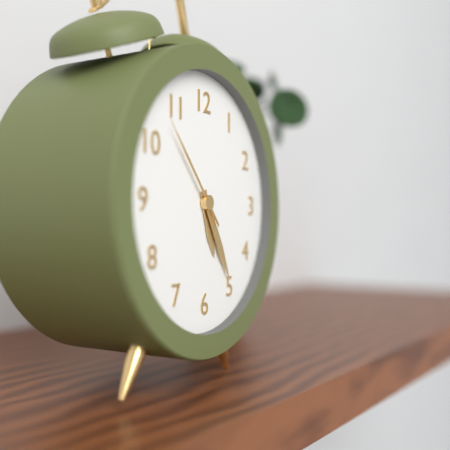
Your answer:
**5:25:53**
